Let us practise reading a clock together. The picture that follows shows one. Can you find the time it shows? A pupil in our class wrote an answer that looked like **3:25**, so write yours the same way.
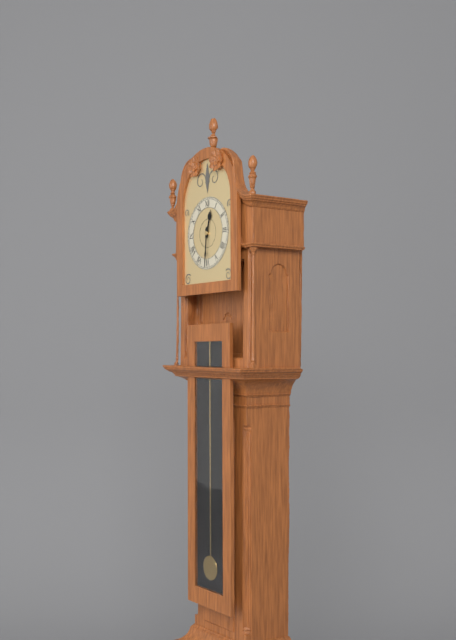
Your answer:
**12:31**
